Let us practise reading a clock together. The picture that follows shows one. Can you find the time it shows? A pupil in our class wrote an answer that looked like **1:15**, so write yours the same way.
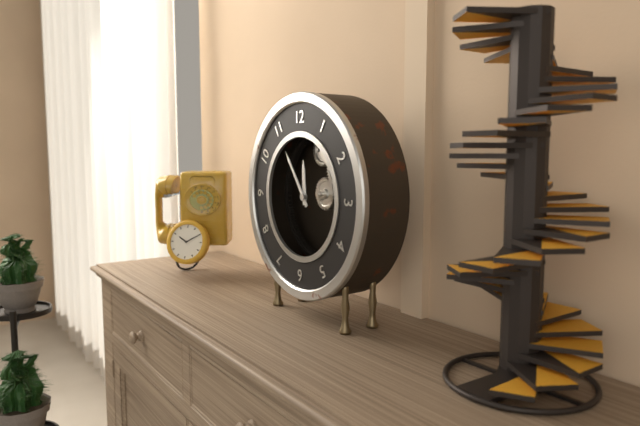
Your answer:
**11:54**
